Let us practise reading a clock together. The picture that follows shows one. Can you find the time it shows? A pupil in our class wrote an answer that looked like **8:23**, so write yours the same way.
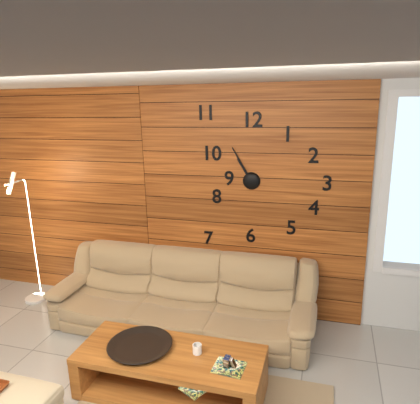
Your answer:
**10:55**
